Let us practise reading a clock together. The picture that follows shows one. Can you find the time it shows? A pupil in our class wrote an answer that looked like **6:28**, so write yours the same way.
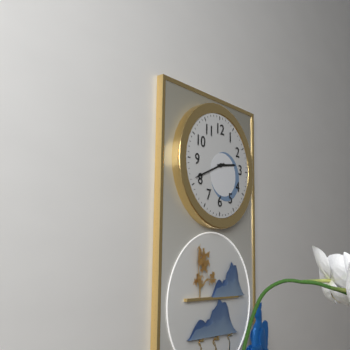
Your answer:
**2:41**
